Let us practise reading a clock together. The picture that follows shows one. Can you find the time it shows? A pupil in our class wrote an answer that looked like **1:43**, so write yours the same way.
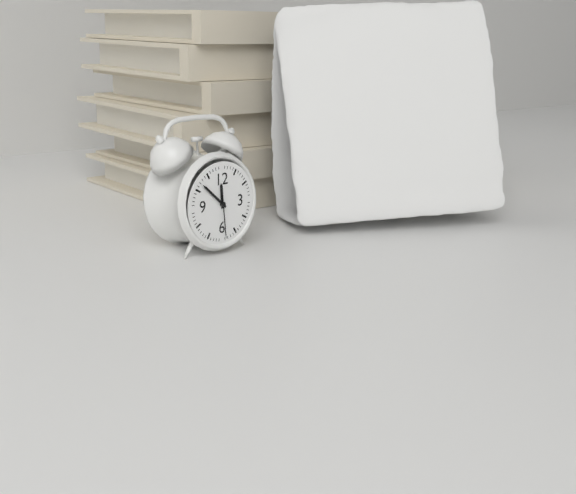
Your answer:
**11:52**
